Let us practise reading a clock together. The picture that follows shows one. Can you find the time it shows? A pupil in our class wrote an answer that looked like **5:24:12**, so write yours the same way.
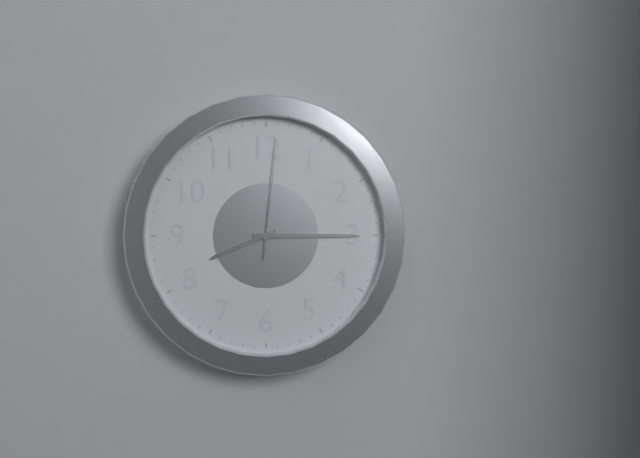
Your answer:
**8:15:01**
